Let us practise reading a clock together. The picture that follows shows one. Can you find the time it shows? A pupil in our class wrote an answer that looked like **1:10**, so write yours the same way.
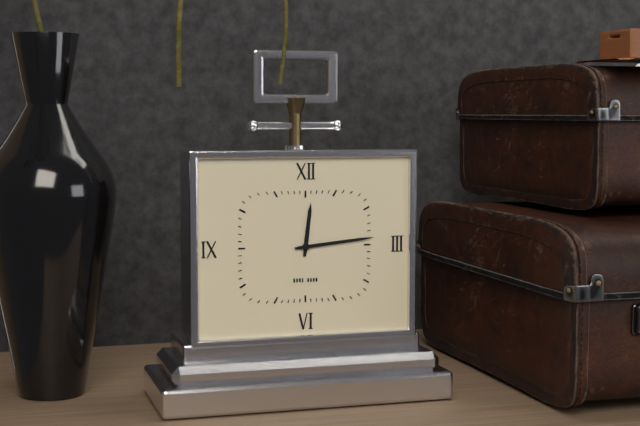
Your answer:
**12:14**
